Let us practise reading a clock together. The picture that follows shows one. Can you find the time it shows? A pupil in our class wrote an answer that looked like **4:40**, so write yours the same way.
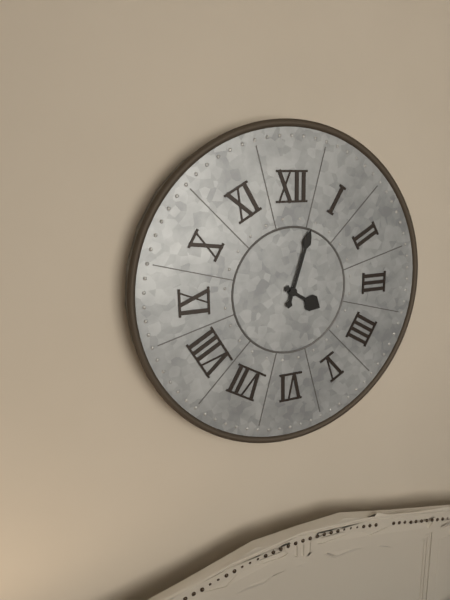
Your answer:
**4:03**
